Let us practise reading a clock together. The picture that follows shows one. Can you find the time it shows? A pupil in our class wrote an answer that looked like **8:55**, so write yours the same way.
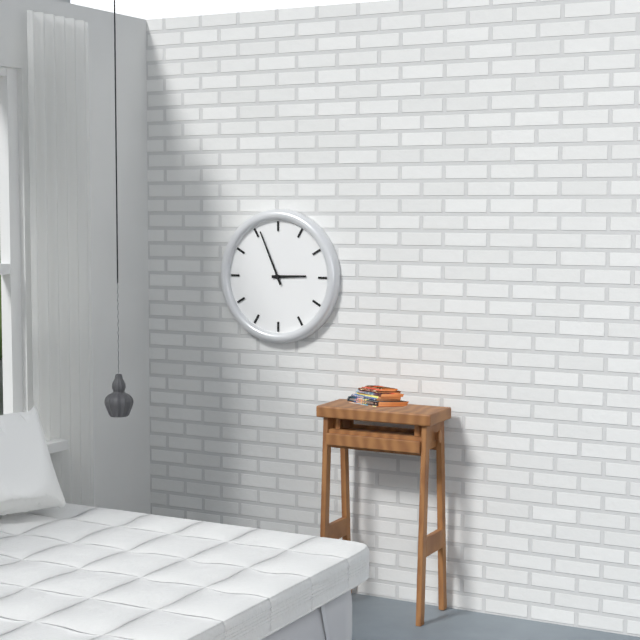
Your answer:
**2:56**
